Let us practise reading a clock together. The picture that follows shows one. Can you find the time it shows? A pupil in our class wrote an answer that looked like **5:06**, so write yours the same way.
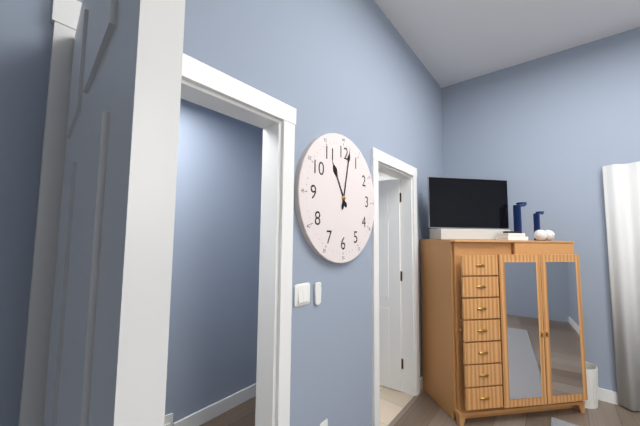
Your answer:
**11:02**
